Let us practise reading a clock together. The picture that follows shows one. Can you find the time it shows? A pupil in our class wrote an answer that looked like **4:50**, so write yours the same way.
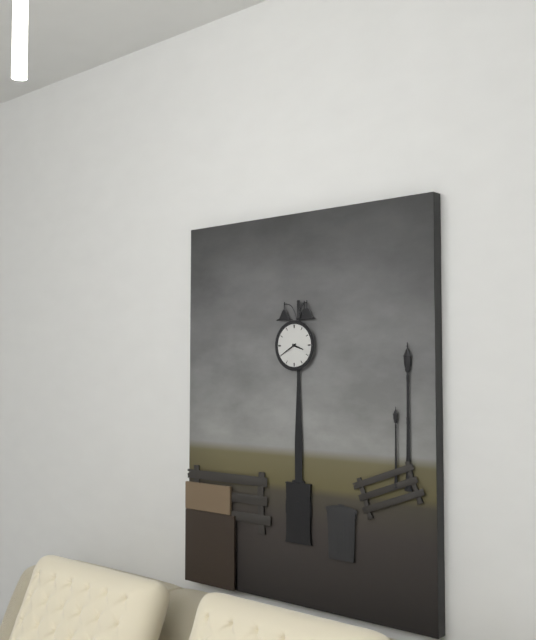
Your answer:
**3:40**
